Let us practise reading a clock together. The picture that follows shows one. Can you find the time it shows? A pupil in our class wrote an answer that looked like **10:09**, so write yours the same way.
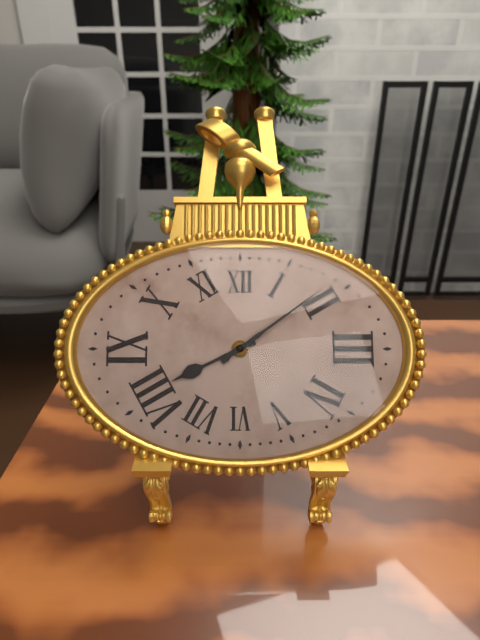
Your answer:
**8:09**
